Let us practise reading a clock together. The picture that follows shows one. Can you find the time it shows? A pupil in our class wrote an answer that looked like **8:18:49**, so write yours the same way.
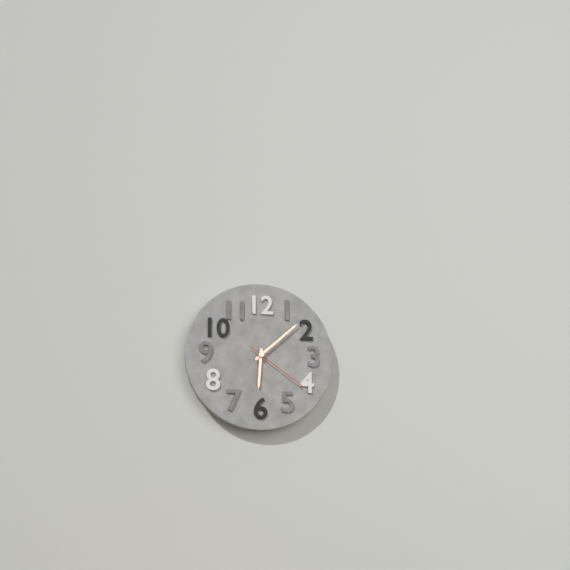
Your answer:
**6:08:21**
